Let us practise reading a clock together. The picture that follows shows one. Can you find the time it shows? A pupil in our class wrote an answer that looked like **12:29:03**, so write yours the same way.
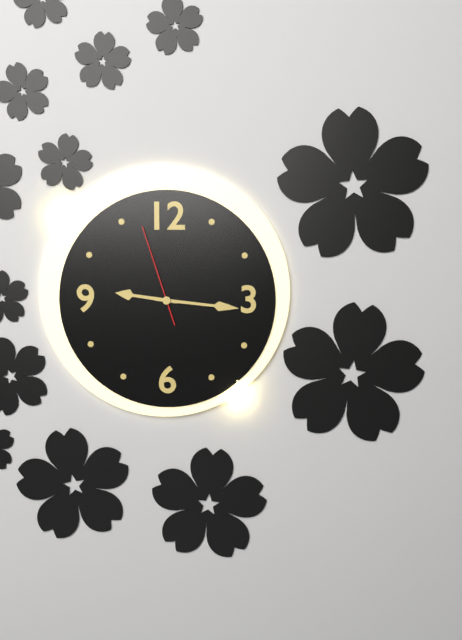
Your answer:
**9:16:57**
